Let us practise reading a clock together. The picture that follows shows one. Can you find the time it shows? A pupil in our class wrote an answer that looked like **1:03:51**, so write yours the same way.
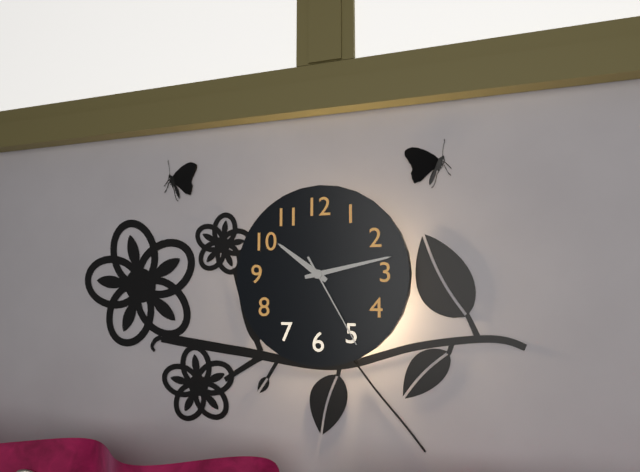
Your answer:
**10:13:25**
